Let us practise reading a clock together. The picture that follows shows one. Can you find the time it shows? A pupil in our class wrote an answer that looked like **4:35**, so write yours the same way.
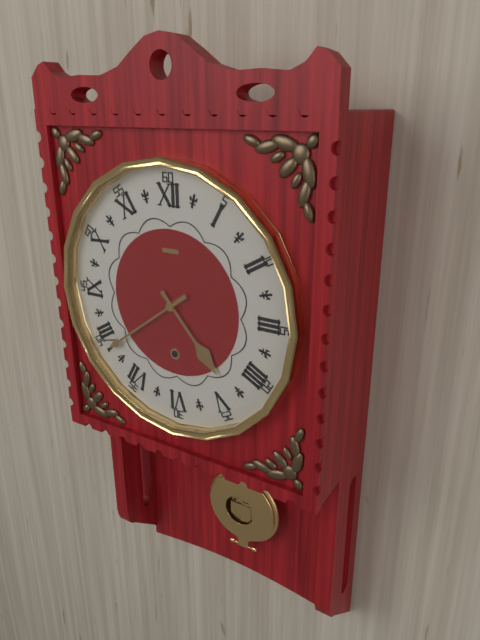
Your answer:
**4:39**
